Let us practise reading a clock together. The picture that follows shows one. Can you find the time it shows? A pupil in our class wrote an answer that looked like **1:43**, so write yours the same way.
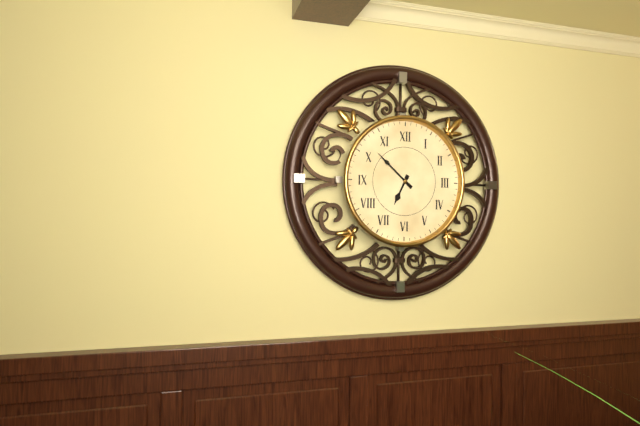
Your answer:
**6:52**
